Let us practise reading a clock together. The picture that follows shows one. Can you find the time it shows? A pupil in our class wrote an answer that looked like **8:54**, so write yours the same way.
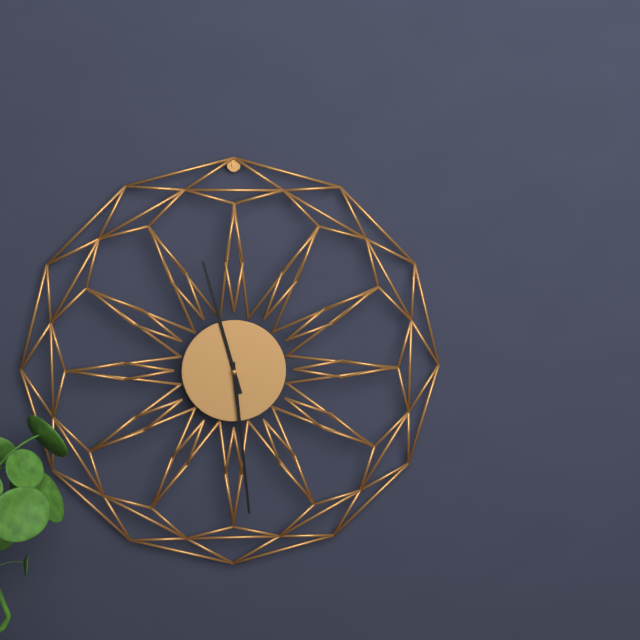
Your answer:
**11:29**
